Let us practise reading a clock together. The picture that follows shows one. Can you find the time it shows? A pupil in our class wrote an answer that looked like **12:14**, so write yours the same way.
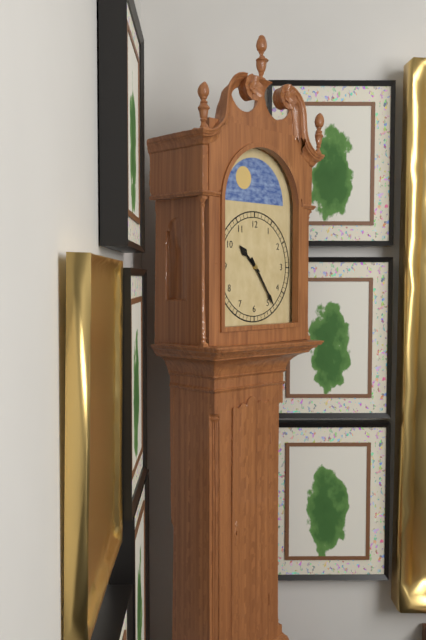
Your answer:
**10:24**
